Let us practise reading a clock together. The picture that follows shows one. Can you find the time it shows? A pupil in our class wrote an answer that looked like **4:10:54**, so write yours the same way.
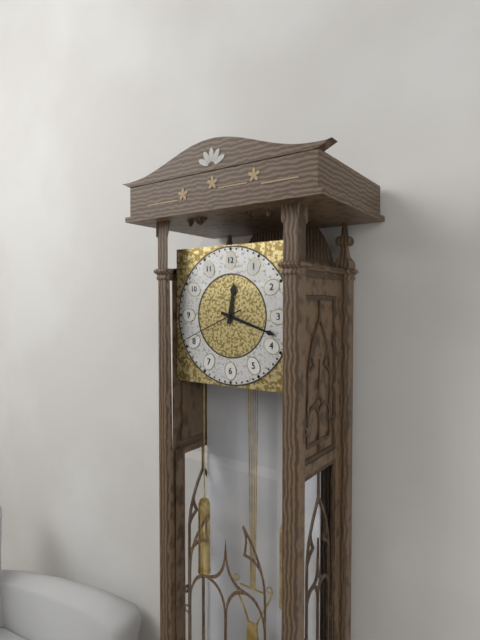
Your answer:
**12:18:41**
